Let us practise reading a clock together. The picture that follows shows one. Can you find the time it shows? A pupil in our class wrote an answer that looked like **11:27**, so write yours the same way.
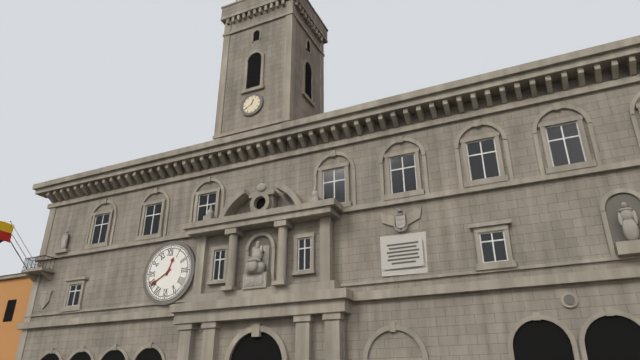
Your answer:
**12:40**
